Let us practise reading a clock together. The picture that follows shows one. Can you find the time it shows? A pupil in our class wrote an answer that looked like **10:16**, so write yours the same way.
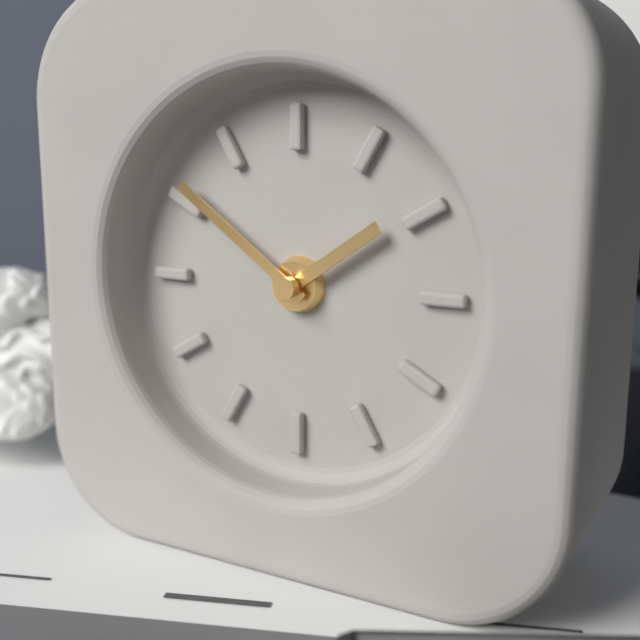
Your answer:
**1:51**
